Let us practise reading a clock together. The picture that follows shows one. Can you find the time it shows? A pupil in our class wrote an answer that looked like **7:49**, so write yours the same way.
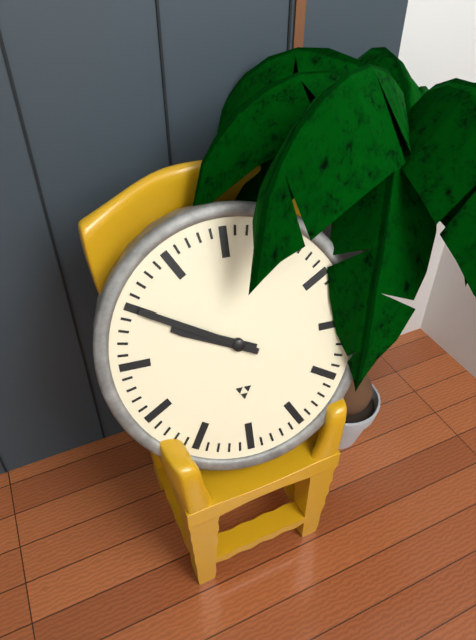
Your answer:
**9:50**
